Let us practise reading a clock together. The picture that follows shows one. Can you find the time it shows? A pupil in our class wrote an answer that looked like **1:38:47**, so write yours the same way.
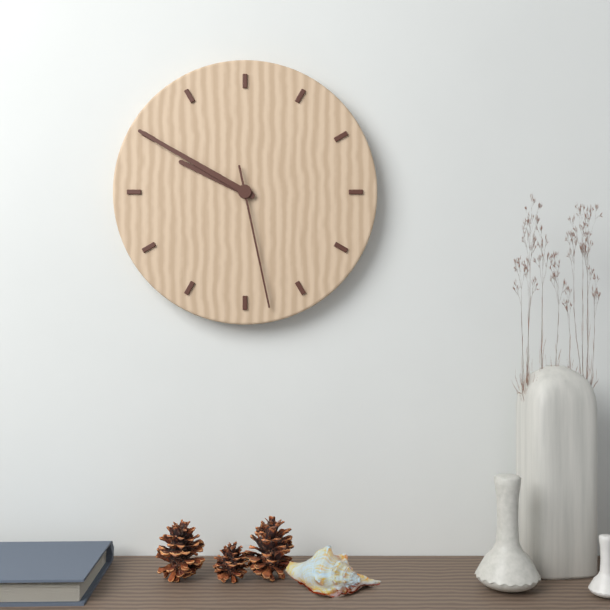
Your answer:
**9:50:28**
